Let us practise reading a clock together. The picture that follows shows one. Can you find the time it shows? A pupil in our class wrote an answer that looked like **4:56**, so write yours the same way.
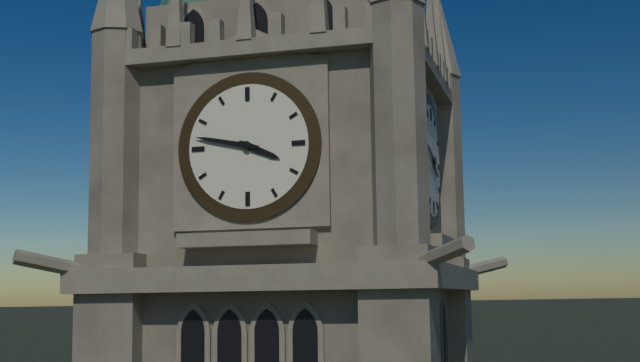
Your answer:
**3:47**
